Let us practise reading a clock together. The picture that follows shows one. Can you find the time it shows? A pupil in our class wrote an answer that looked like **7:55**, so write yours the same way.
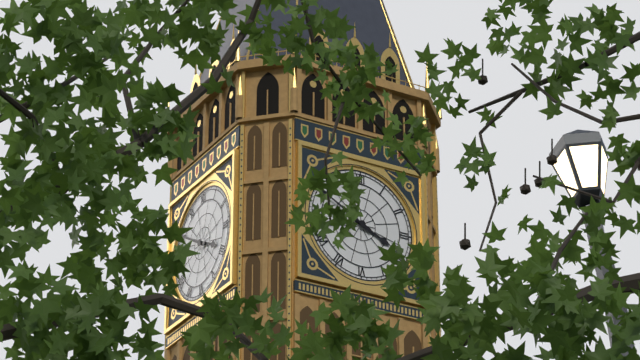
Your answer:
**3:50**
